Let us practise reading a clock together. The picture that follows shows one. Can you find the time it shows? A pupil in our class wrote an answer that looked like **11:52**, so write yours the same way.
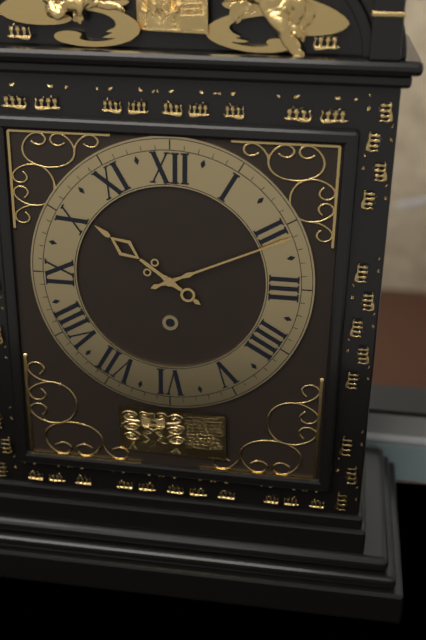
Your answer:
**10:11**
